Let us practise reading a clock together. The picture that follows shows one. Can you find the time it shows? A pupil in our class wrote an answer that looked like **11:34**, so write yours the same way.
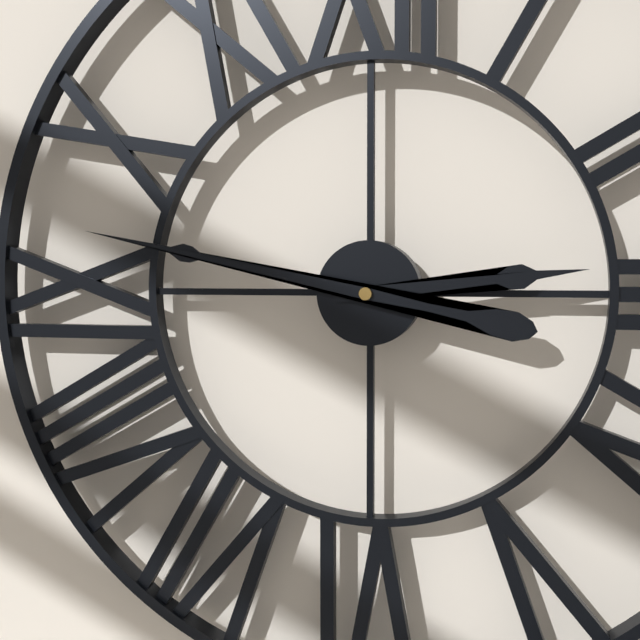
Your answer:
**2:47**
